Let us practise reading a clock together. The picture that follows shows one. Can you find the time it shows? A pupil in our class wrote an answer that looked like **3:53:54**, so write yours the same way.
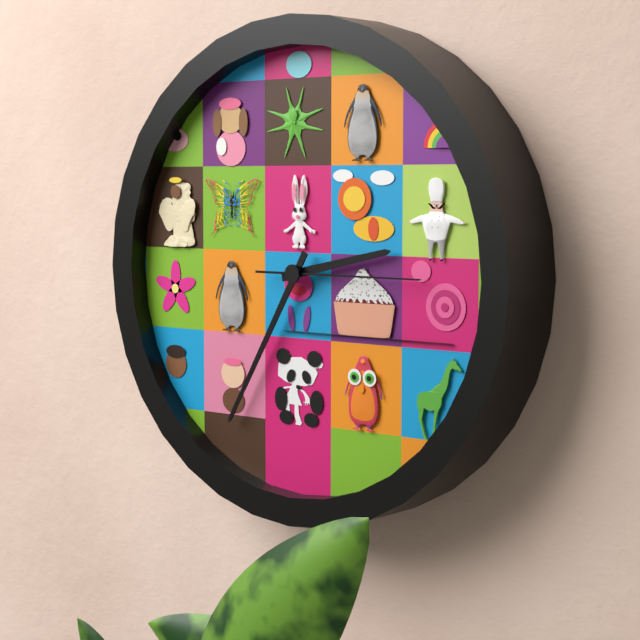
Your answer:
**2:35:15**
